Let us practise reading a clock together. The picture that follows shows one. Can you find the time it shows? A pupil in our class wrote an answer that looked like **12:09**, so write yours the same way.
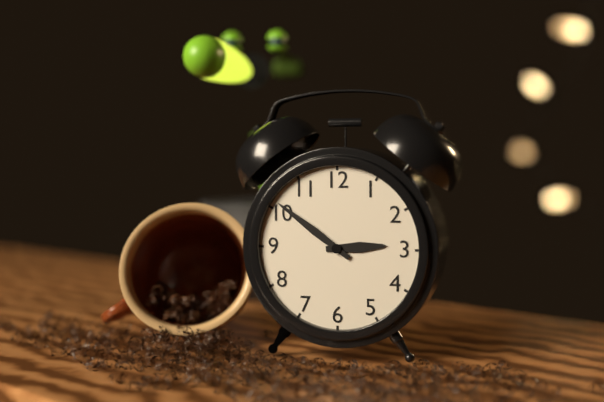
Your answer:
**2:51**
